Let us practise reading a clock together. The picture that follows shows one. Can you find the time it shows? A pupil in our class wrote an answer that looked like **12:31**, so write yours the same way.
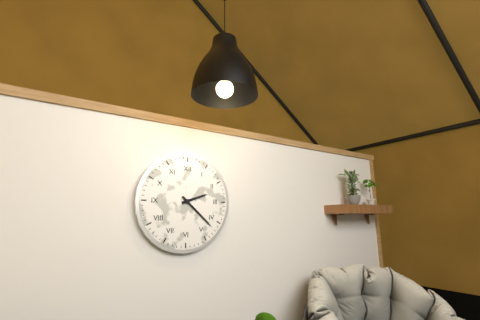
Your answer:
**2:22**
